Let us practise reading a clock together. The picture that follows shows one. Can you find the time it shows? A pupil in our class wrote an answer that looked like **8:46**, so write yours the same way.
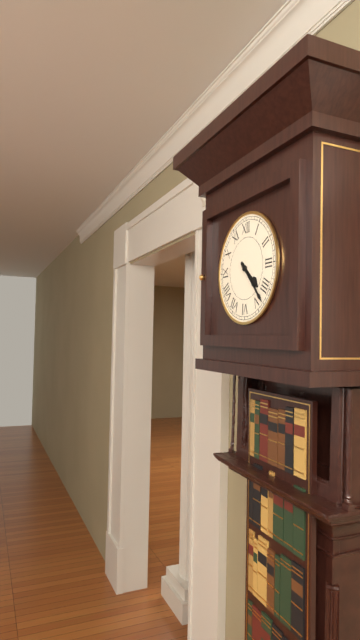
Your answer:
**4:23**
